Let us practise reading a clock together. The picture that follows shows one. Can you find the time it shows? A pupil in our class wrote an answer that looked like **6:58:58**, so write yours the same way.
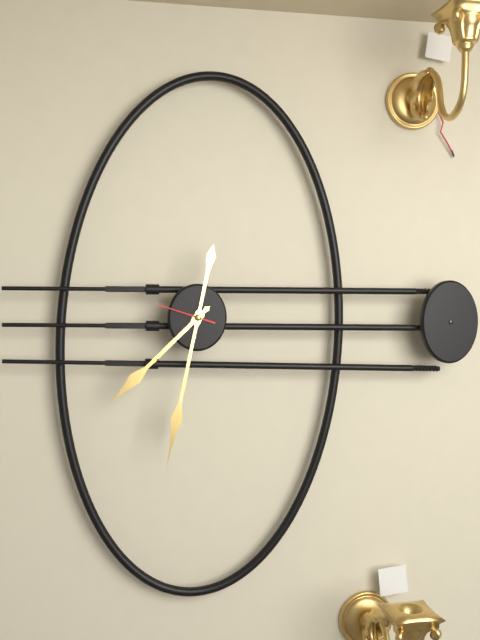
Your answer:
**7:32:48**
